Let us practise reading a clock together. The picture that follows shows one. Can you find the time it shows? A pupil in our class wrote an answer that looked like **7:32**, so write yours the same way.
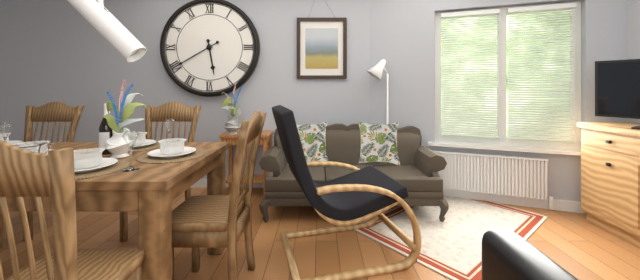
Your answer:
**5:40**
